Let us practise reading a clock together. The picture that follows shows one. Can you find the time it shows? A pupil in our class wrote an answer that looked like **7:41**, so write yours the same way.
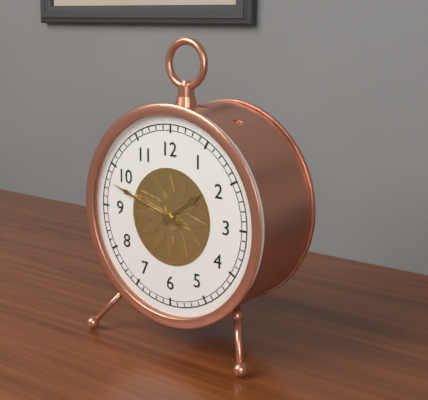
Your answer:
**1:48**
